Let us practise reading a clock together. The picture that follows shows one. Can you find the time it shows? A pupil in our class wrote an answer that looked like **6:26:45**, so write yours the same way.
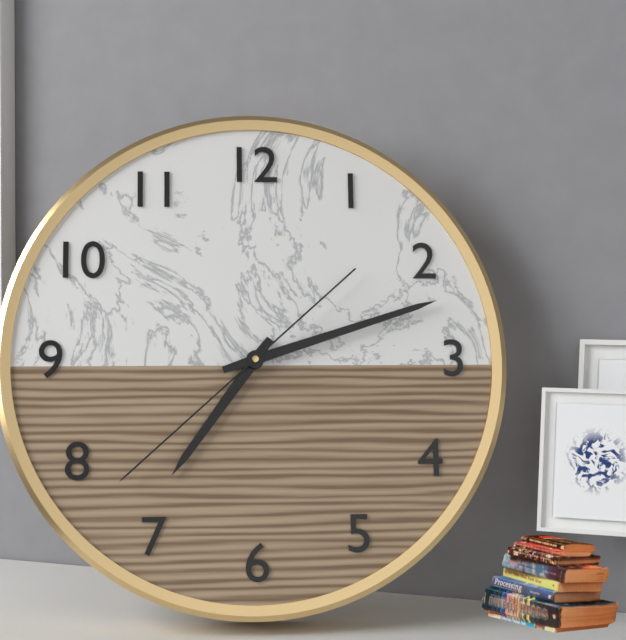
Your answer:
**7:12:38**
